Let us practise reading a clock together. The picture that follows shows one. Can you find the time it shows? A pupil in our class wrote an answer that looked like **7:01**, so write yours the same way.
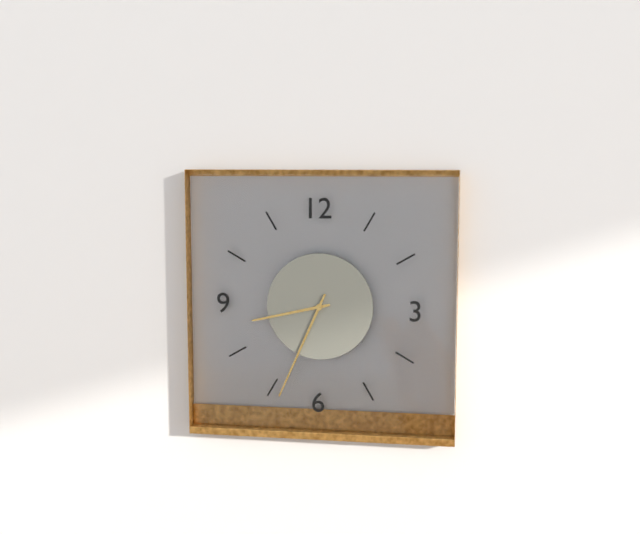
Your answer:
**8:34**
